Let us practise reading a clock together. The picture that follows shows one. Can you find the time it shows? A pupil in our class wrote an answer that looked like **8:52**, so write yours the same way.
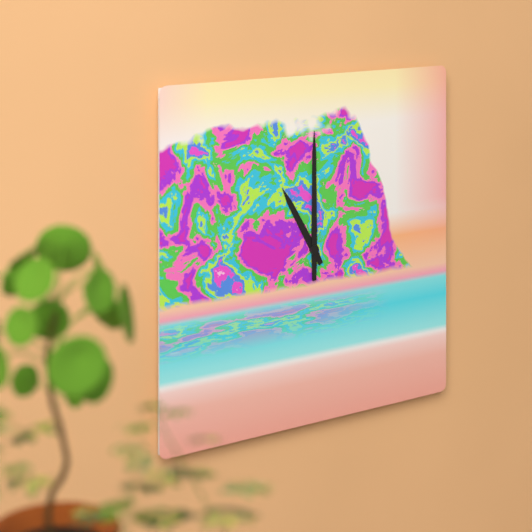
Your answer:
**11:00**
